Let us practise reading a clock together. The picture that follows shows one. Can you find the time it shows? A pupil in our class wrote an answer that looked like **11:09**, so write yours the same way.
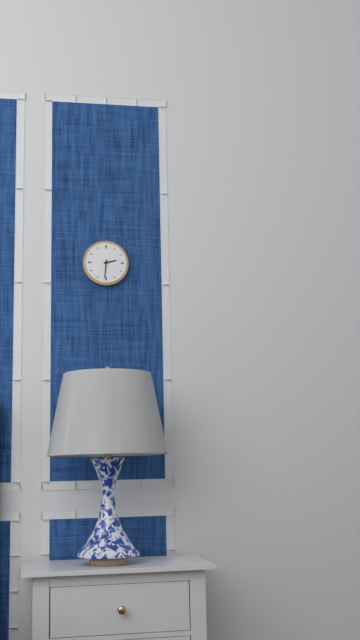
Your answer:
**2:31**
